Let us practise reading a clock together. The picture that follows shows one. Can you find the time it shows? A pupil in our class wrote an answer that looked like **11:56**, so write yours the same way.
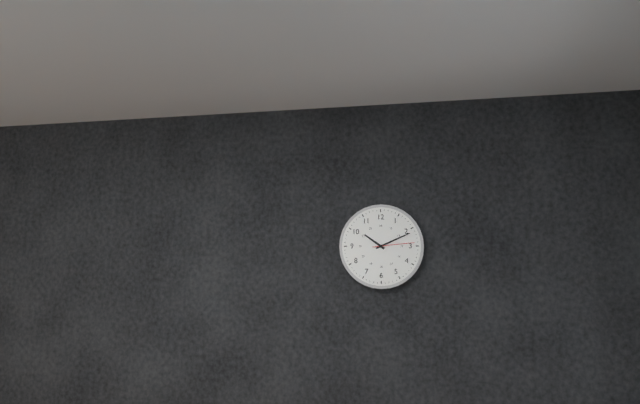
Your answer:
**10:11**
